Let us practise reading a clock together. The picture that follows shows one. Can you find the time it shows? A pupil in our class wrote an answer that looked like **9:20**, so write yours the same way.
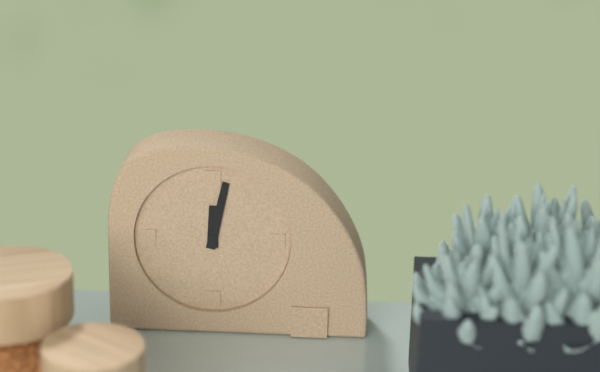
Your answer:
**12:02**
